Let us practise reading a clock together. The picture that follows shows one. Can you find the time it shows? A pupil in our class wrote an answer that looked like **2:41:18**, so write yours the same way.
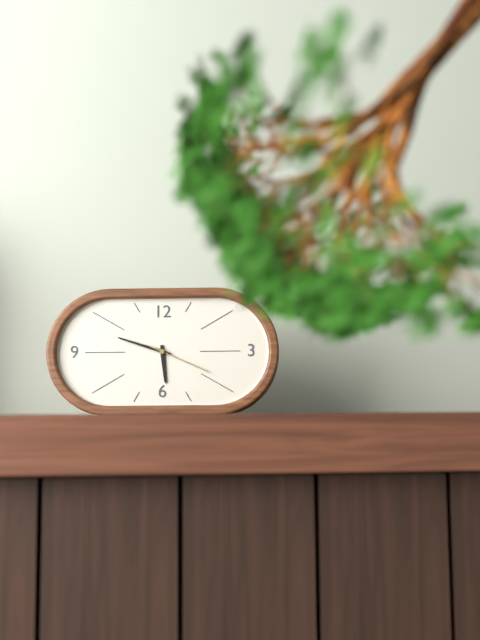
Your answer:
**5:48:19**
